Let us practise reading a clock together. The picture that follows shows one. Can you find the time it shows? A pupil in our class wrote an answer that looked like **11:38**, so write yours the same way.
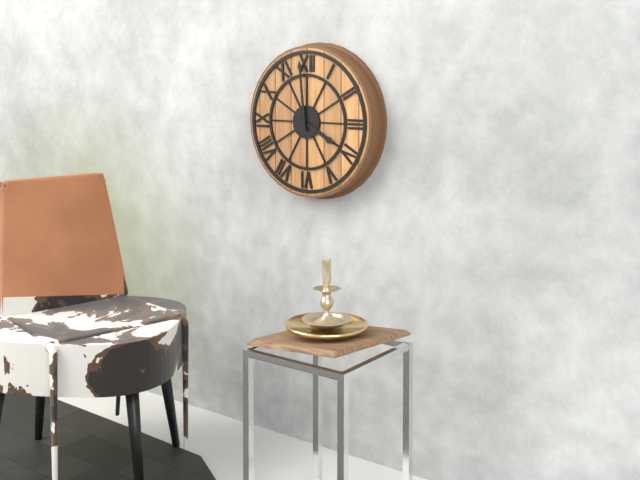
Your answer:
**3:59**
